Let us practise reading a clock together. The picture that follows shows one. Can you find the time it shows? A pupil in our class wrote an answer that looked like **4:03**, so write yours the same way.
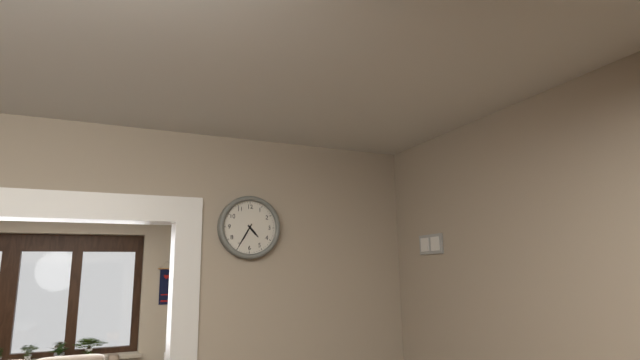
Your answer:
**4:35**
